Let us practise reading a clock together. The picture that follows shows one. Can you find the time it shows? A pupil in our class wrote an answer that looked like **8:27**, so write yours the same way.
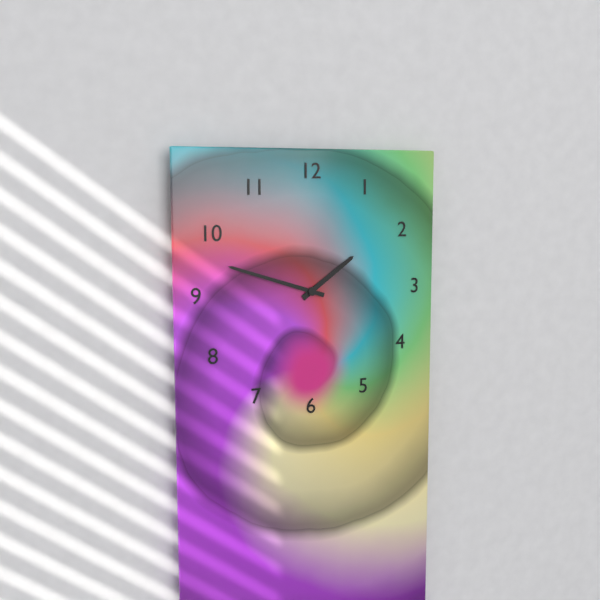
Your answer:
**1:48**
